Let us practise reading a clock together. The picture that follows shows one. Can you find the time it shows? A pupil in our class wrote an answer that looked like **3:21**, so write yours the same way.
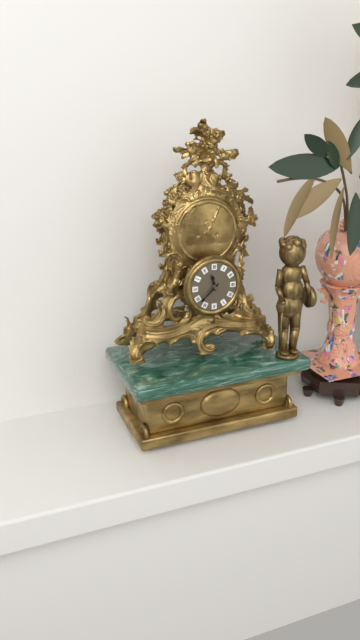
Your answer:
**11:38**
